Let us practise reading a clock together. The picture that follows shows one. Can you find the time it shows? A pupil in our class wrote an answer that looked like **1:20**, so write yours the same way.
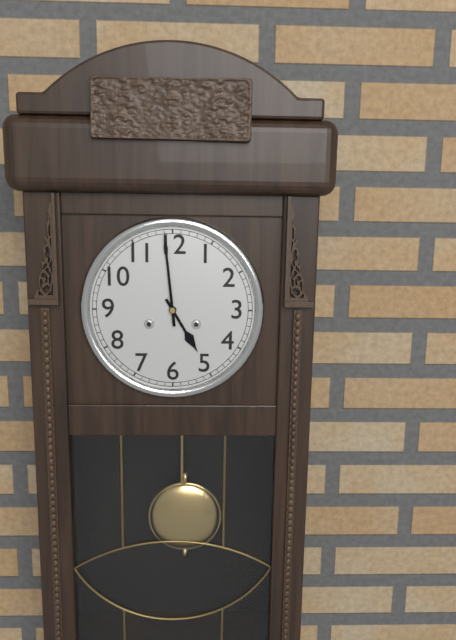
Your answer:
**4:59**
